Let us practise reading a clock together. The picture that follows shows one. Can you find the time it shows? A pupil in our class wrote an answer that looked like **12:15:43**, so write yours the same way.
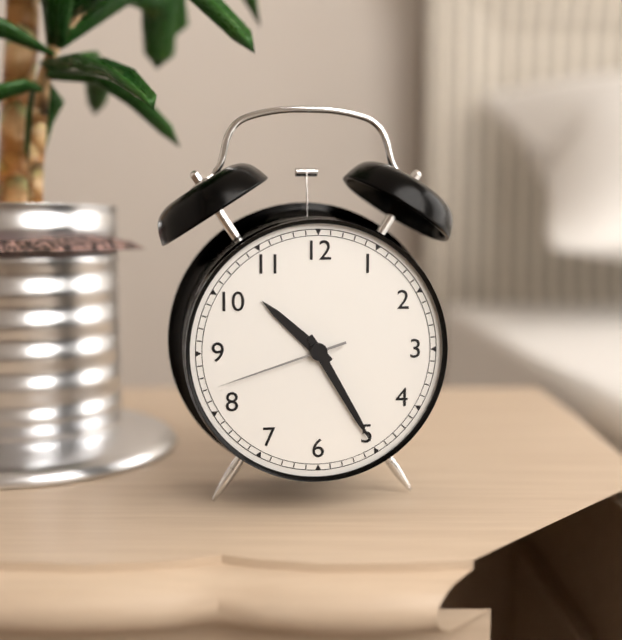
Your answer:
**10:25:42**
